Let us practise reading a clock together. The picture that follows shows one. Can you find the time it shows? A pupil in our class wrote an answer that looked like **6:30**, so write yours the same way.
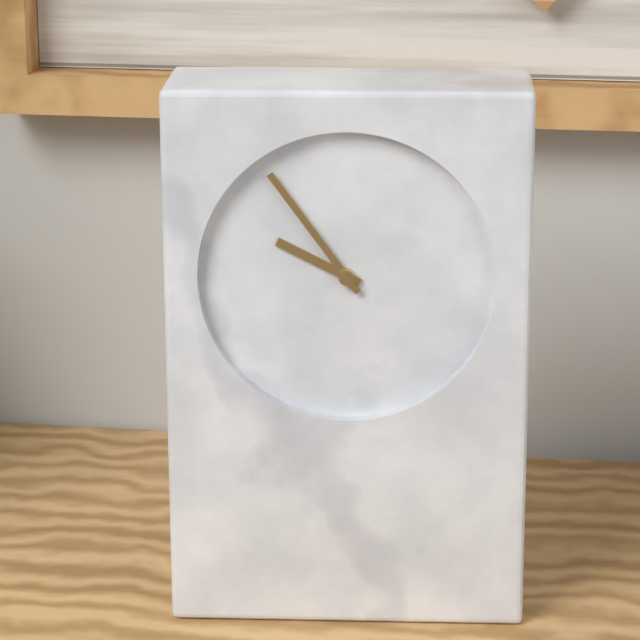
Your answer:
**9:54**
